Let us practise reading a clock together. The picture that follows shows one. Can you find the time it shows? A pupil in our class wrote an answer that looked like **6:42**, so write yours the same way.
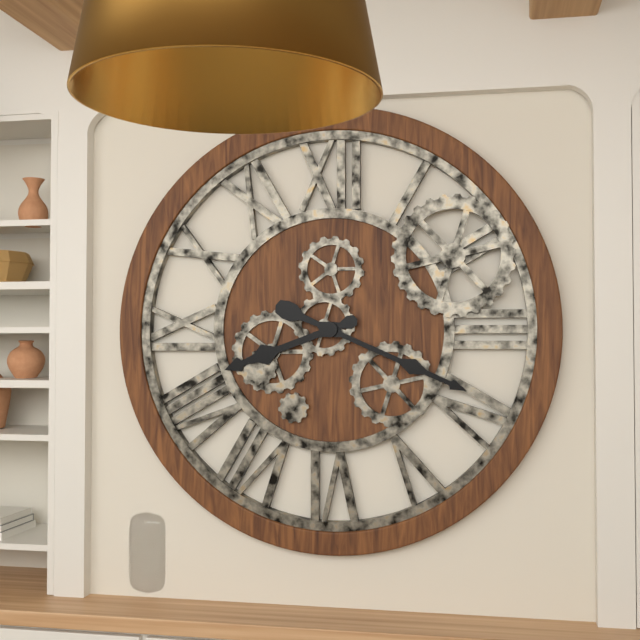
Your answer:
**8:19**
